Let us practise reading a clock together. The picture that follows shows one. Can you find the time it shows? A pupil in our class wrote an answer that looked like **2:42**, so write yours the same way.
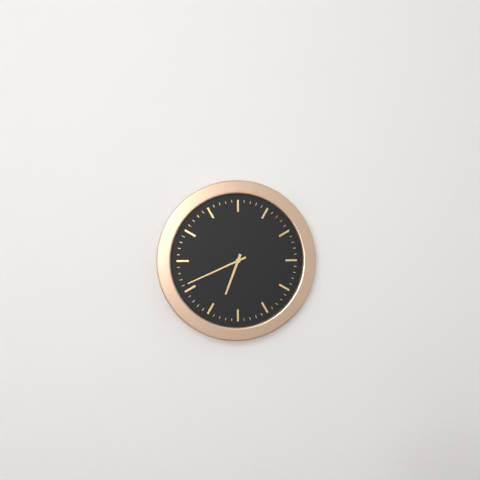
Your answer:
**6:41**
